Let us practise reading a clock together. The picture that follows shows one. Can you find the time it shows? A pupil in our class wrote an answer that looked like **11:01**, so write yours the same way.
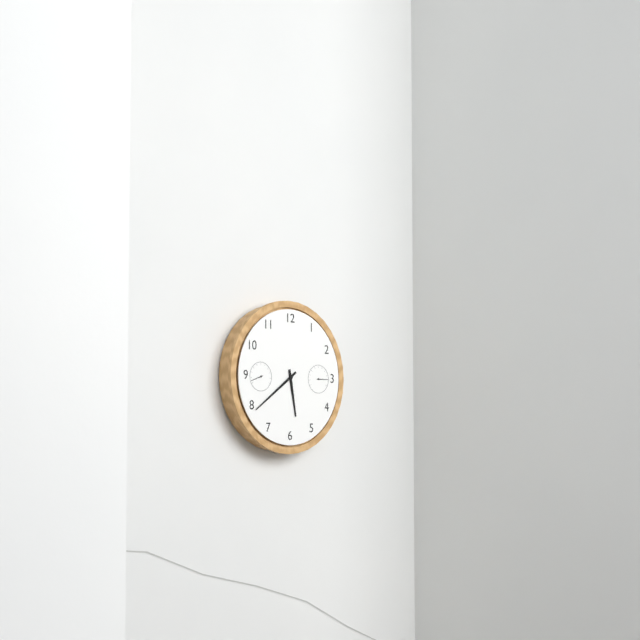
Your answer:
**5:39**
